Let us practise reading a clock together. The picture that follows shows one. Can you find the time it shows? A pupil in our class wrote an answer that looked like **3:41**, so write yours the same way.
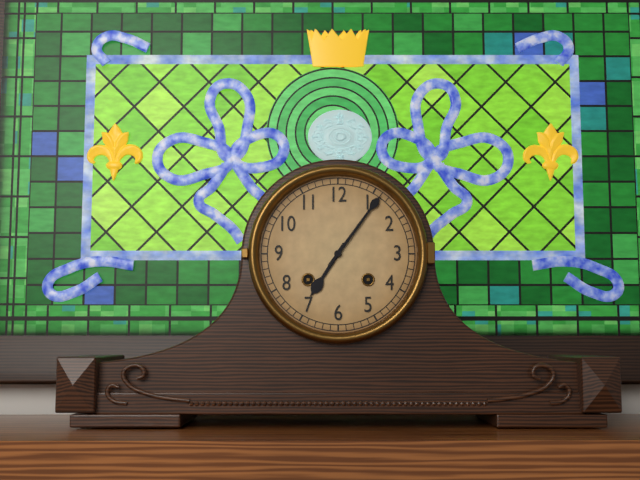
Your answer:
**7:06**
